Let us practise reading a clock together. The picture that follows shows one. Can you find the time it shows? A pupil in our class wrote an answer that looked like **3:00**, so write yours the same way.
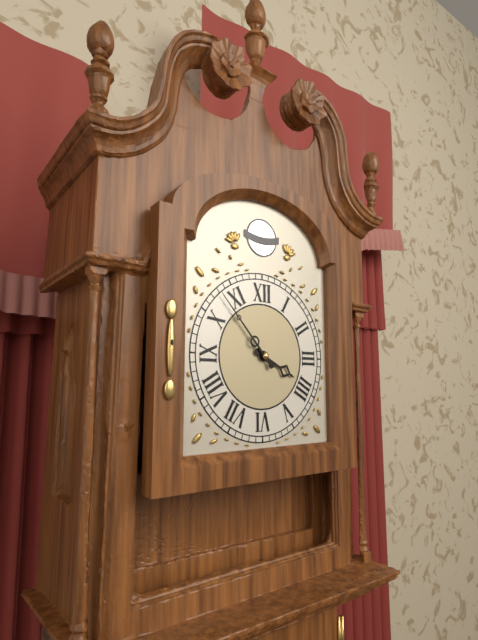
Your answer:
**3:53**
